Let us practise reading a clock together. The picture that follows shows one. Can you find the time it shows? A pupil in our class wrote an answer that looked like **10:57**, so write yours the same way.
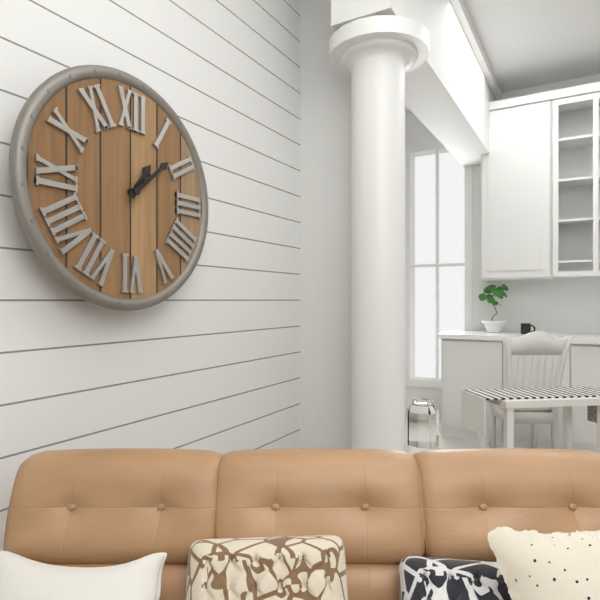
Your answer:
**1:08**
